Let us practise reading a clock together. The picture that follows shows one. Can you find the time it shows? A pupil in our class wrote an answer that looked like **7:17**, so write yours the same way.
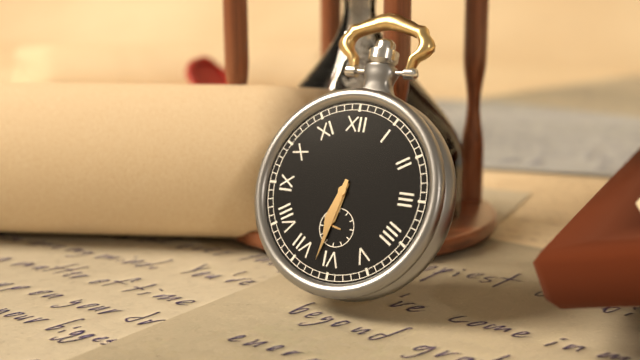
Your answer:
**6:32**
